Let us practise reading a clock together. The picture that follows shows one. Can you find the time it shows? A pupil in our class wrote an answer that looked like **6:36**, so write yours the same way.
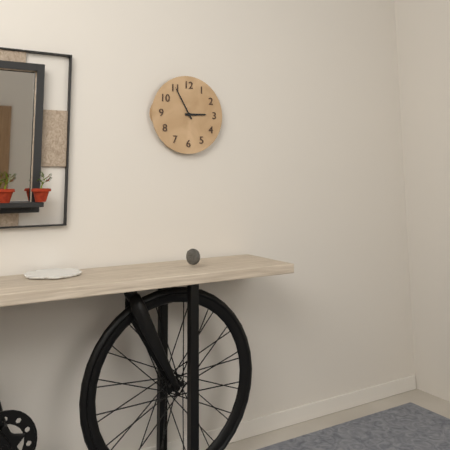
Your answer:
**2:55**
